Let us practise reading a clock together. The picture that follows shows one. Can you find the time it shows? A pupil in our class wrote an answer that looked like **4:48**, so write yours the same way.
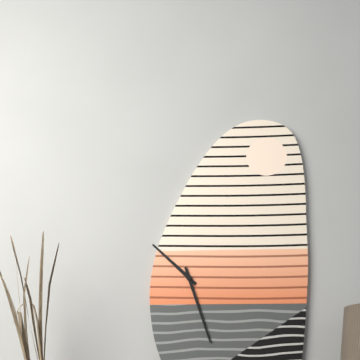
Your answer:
**10:27**
